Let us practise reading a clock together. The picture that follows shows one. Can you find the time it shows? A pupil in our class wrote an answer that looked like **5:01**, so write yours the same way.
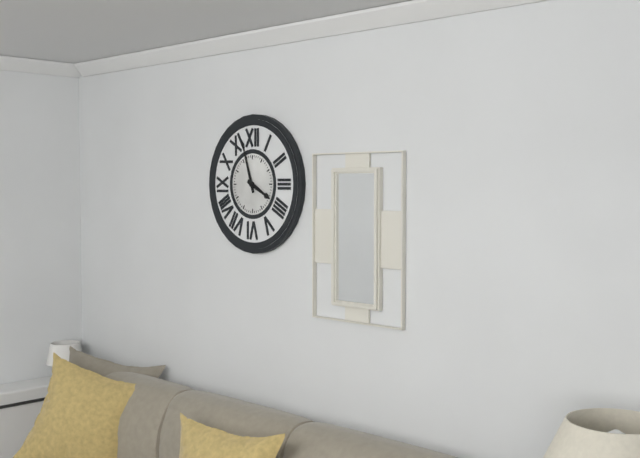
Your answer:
**3:57**
